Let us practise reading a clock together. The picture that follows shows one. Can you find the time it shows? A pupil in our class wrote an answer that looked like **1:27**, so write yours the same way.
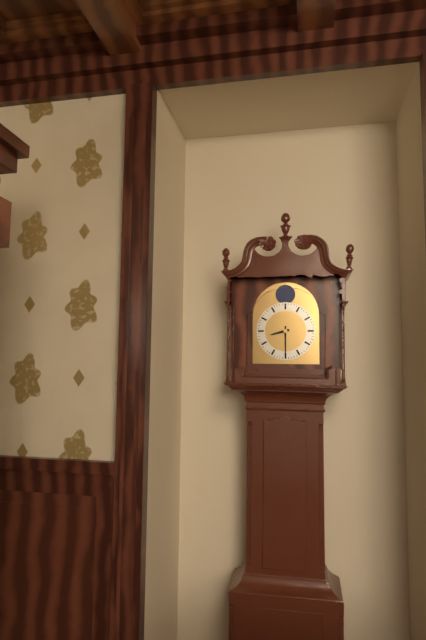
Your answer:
**8:30**
